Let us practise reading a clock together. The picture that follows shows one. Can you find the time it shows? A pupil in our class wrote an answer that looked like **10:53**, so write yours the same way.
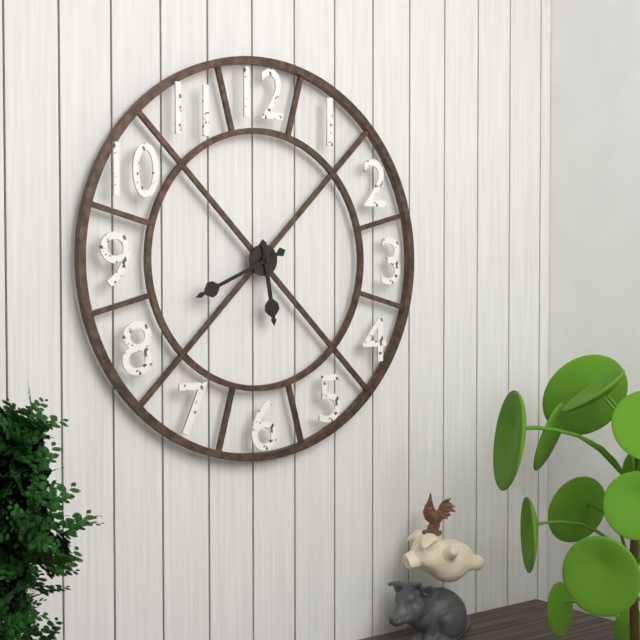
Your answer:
**5:41**
